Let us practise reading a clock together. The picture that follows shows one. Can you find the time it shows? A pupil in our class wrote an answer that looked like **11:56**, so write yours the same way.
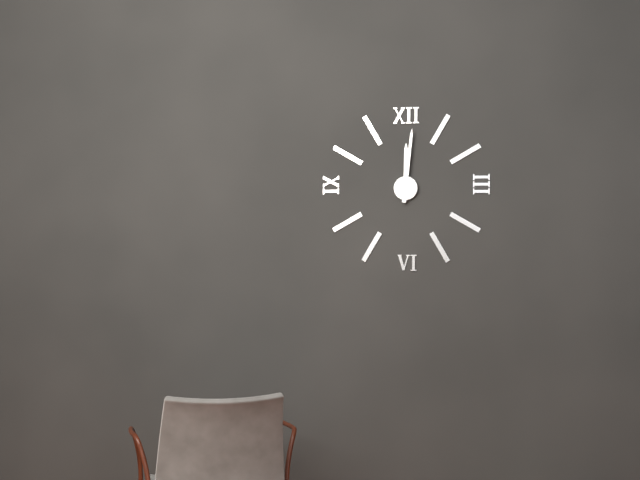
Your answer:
**12:01**
